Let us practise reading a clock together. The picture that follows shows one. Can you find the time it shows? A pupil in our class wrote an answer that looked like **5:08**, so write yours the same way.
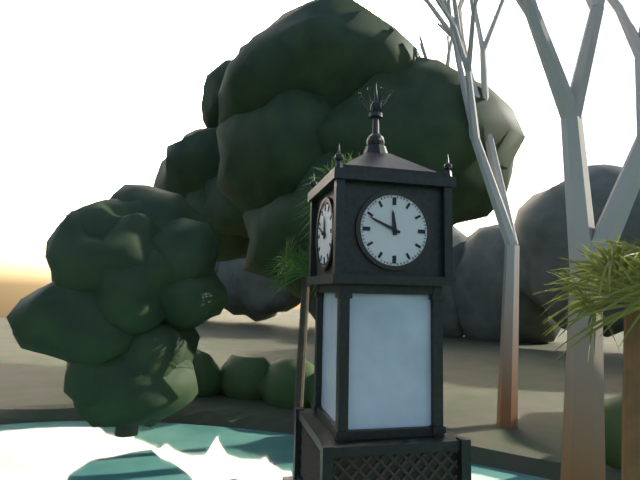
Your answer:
**11:49**
